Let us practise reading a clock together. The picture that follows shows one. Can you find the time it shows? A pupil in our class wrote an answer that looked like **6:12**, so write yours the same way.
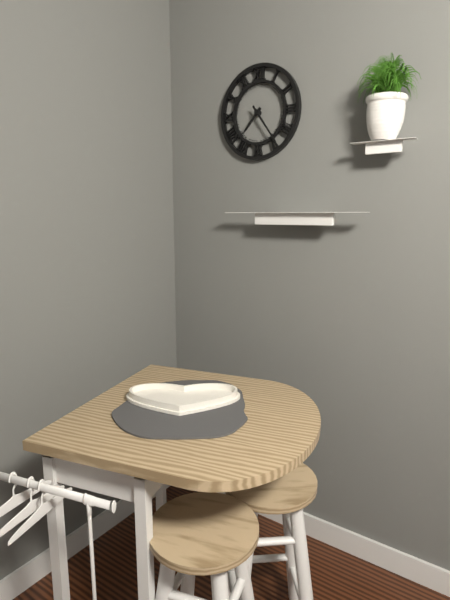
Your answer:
**7:24**
